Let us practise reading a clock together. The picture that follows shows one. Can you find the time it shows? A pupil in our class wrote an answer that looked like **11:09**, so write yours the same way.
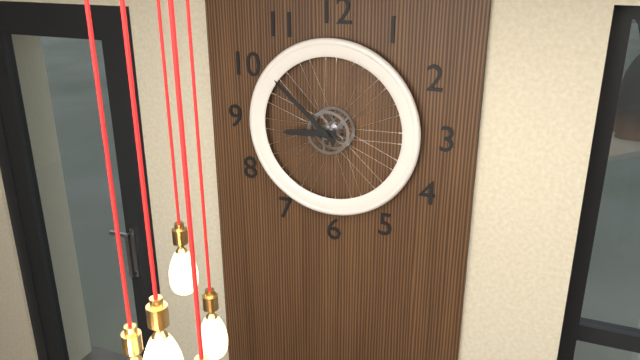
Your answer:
**8:52**
